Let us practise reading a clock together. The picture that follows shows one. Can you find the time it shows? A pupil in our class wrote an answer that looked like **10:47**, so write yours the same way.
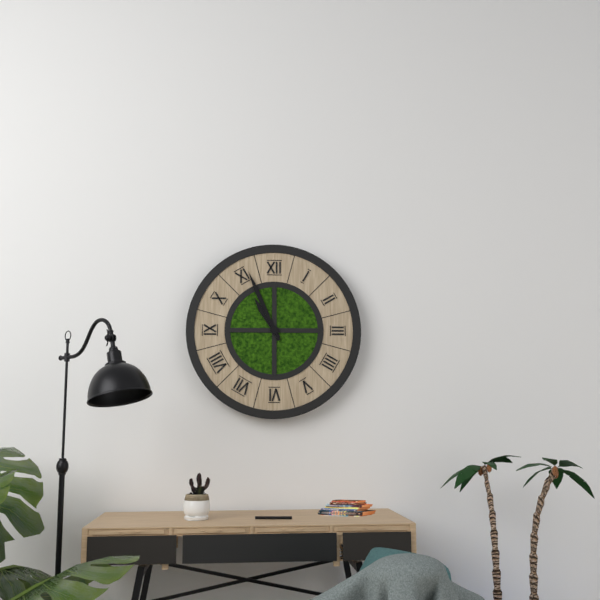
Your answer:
**10:56**
